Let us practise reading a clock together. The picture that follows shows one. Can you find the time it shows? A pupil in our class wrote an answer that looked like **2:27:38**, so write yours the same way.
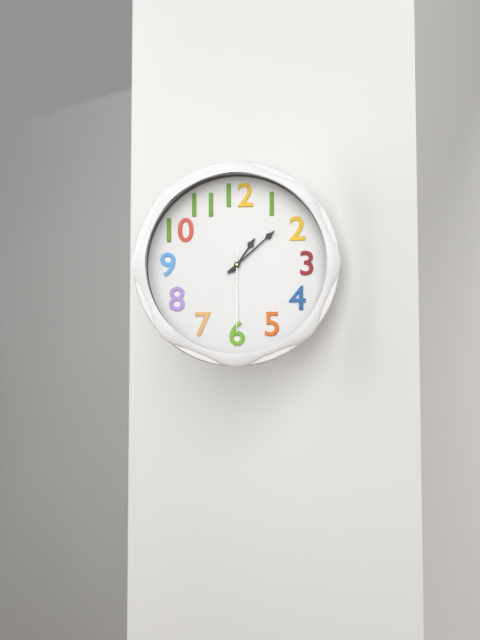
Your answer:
**1:08:30**
